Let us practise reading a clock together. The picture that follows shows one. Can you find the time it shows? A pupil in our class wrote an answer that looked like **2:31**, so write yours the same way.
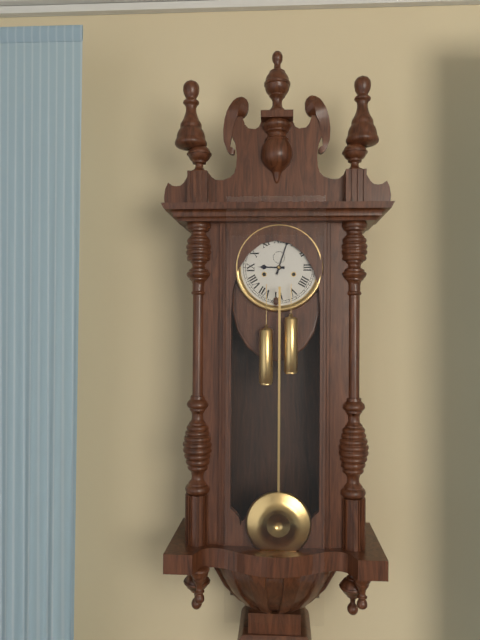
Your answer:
**9:03**
